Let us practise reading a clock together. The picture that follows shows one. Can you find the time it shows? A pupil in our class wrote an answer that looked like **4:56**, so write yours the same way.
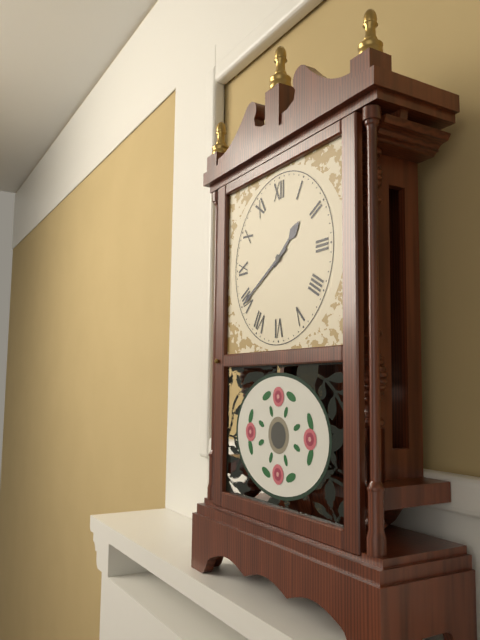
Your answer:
**1:40**
